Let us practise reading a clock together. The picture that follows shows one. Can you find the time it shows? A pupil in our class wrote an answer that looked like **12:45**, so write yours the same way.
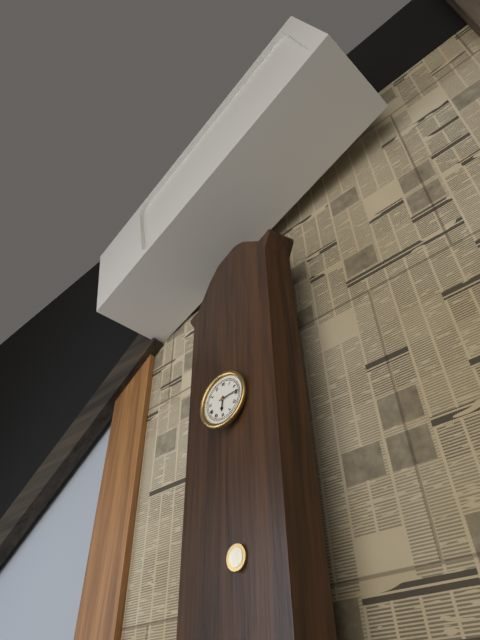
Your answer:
**6:14**
